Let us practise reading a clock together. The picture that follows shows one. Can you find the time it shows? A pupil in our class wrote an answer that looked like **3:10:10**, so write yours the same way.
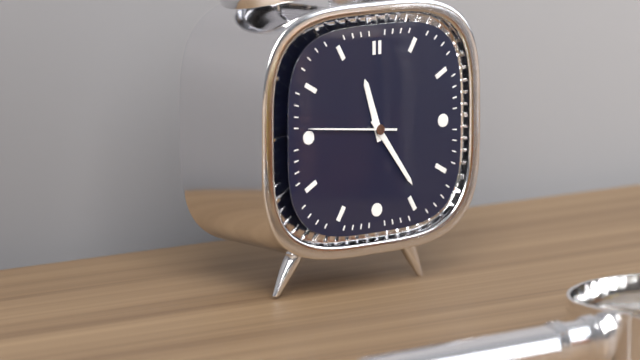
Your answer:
**11:24:46**
